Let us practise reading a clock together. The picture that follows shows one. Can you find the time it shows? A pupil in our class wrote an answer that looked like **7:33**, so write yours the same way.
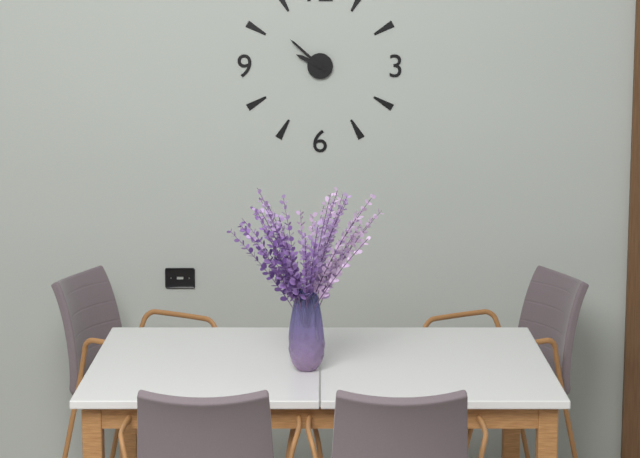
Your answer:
**9:52**
